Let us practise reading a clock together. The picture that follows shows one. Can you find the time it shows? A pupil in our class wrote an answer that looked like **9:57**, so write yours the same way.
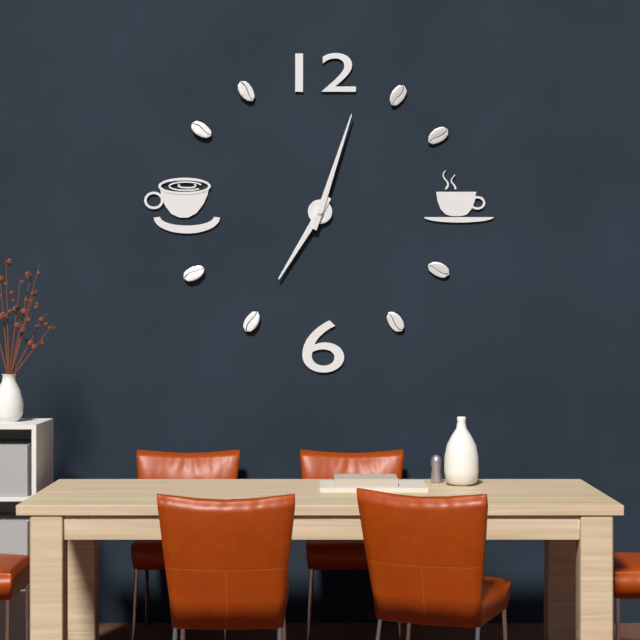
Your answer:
**7:03**
